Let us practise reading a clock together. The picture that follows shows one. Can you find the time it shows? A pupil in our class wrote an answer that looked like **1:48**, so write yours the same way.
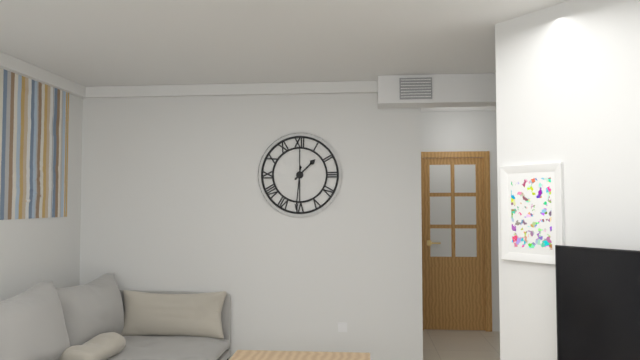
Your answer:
**1:31**
